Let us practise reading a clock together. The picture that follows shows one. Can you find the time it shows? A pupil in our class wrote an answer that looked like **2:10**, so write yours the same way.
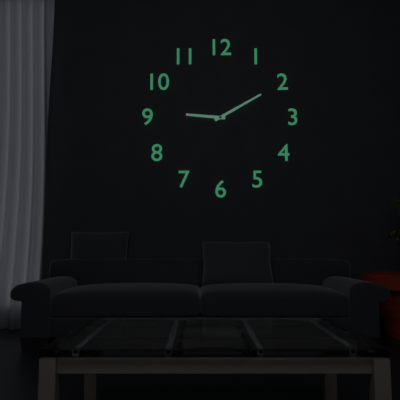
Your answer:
**9:10**
